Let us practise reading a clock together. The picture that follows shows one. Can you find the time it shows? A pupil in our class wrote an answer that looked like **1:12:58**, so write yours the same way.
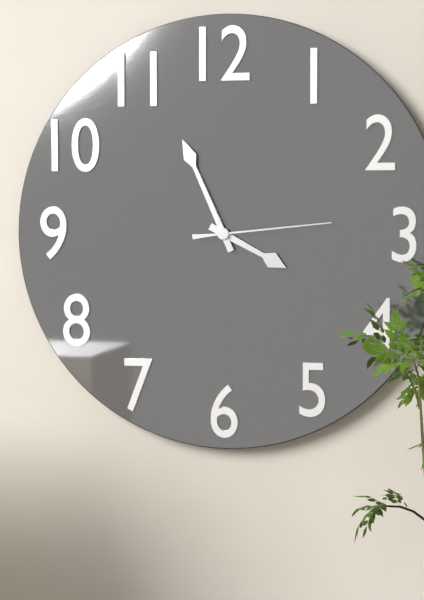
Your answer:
**3:56:14**
